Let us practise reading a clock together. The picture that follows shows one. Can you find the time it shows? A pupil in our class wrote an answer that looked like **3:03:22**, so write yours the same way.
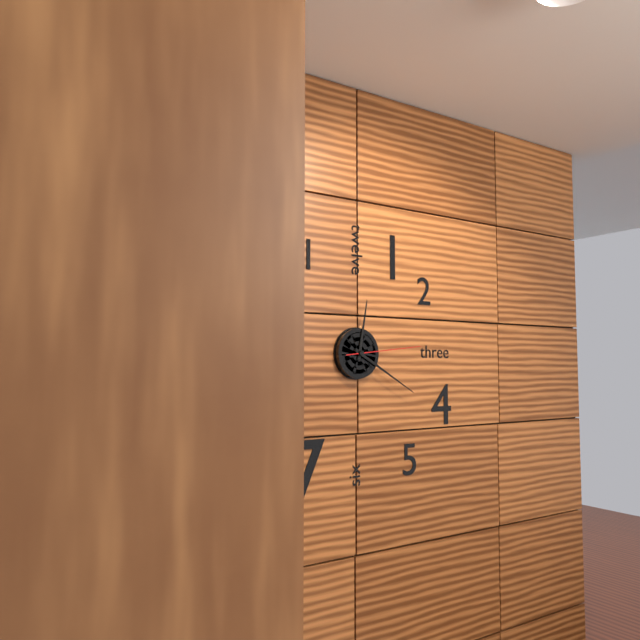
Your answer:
**12:20:14**
